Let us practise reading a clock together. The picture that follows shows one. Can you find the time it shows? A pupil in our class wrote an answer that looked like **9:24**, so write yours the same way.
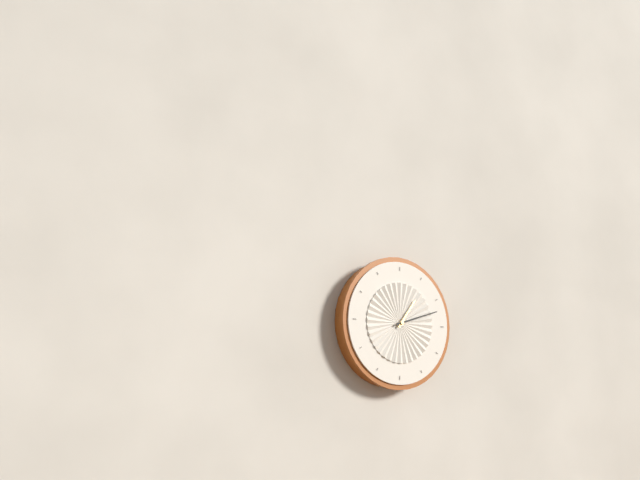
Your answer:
**1:12**
